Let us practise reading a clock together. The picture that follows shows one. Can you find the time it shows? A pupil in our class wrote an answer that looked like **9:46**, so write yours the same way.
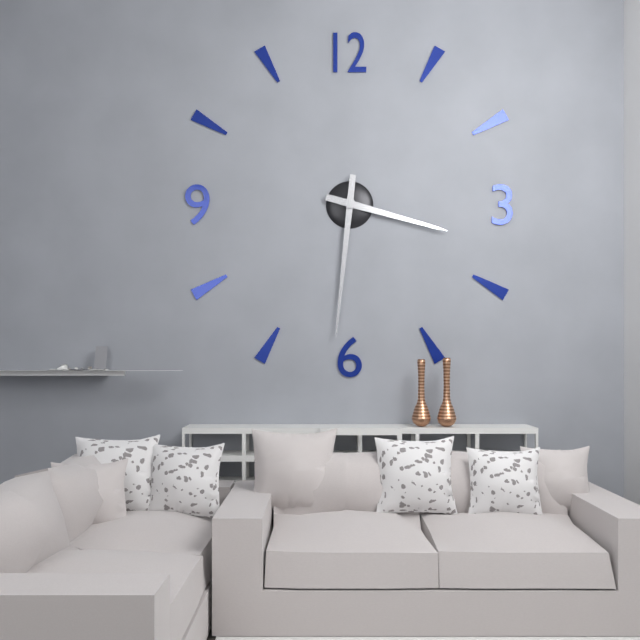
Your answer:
**3:31**
